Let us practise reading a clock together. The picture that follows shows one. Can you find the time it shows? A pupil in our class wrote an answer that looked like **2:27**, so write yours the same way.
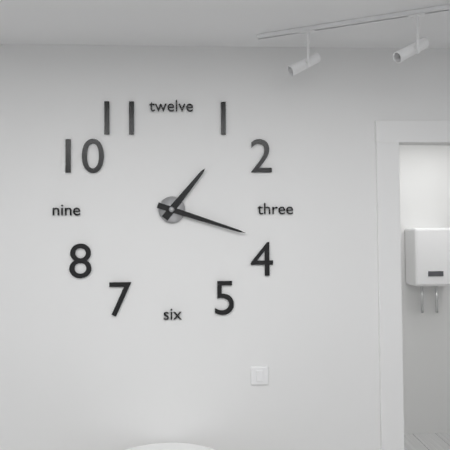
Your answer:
**1:18**
